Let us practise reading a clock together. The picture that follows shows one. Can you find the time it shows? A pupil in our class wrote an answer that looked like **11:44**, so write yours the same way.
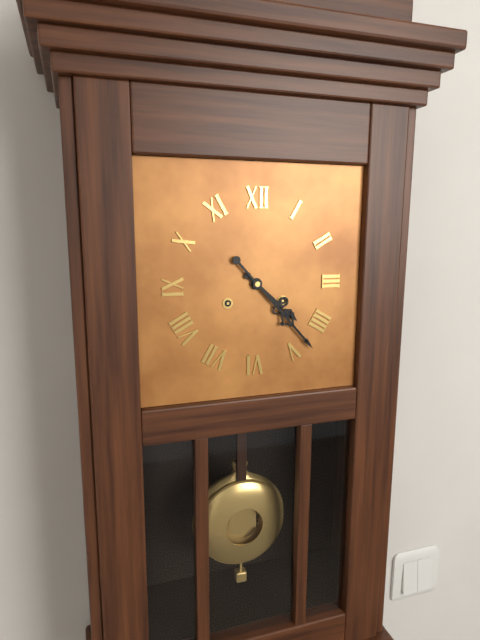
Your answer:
**4:23**
